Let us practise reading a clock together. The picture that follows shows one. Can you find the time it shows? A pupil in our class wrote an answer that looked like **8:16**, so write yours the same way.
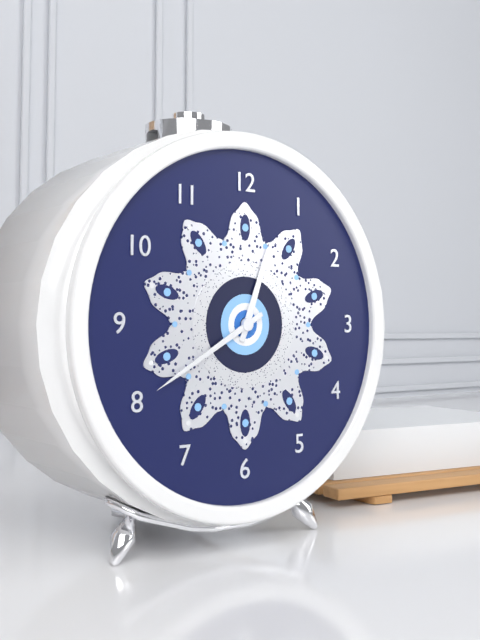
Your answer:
**12:40**
